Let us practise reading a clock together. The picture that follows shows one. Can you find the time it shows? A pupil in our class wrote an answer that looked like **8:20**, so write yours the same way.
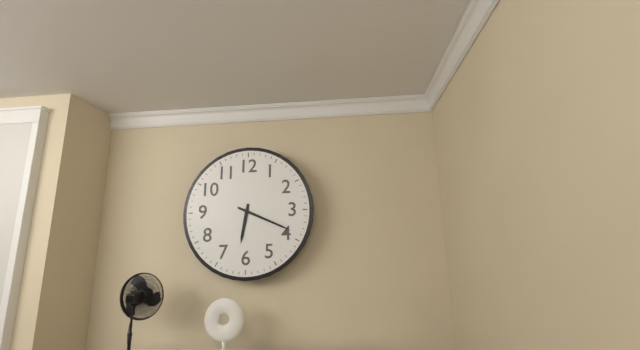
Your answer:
**6:19**
